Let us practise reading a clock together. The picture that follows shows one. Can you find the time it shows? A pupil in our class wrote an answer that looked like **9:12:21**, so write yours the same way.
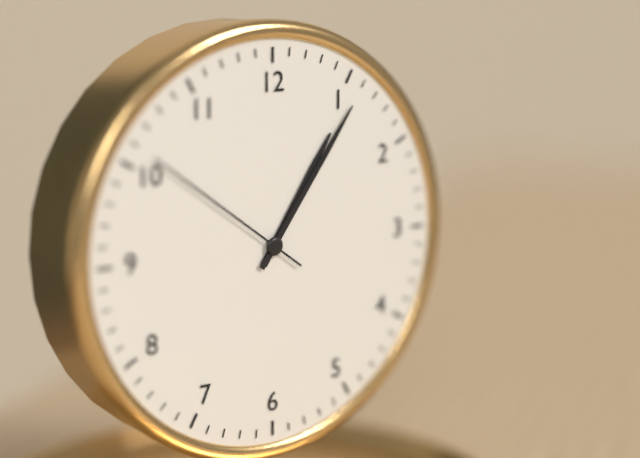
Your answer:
**1:06:51**
